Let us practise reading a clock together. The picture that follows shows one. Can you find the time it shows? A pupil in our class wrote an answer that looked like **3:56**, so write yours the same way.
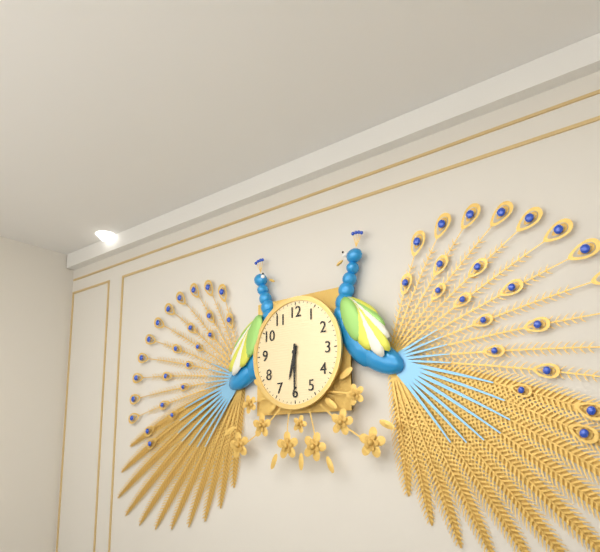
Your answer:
**6:30**
